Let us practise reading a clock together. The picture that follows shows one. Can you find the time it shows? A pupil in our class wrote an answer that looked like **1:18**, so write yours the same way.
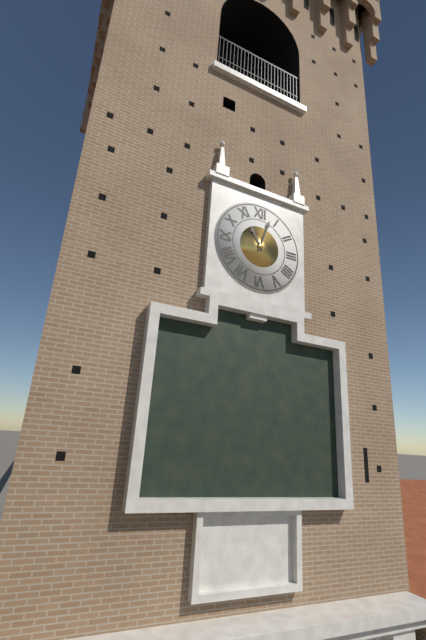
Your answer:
**11:03**
